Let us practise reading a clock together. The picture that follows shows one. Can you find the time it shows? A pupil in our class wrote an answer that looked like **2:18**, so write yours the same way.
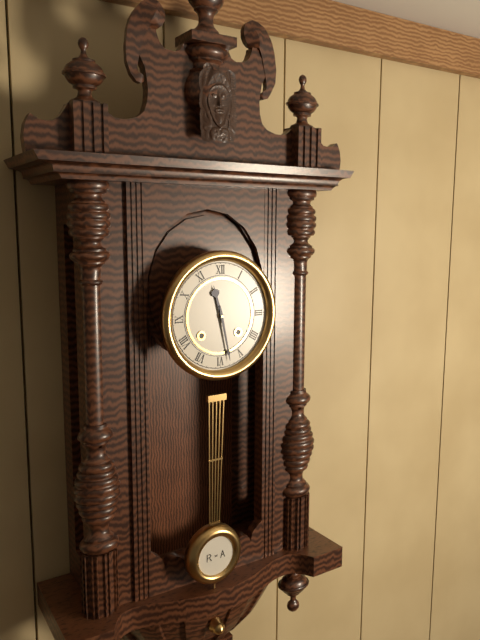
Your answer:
**11:28**
